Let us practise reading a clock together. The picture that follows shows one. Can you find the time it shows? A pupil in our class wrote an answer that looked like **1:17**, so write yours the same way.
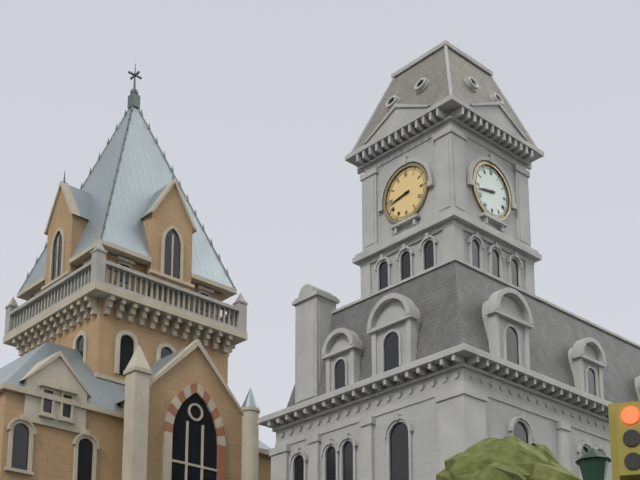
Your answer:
**8:43**
